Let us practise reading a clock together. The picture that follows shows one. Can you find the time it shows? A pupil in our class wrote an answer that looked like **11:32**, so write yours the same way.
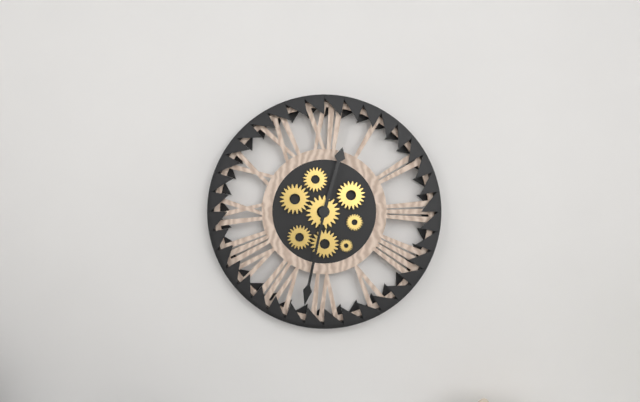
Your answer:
**12:32**
